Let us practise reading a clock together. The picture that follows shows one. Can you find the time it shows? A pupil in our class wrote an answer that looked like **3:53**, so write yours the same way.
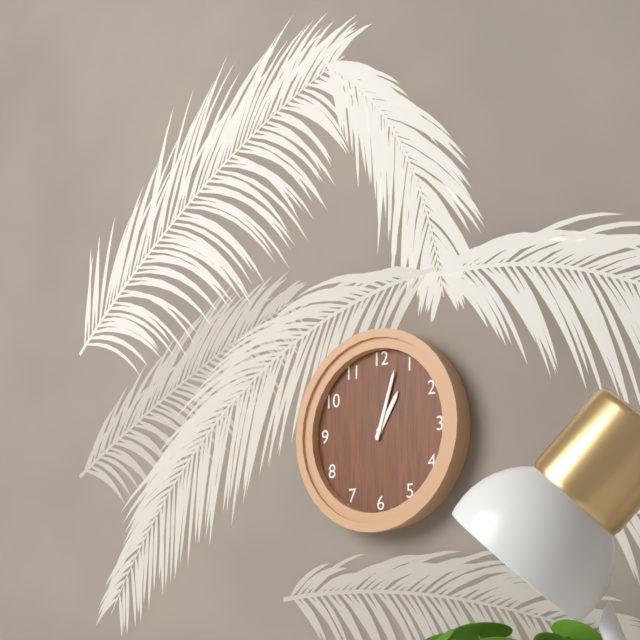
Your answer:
**1:03**
